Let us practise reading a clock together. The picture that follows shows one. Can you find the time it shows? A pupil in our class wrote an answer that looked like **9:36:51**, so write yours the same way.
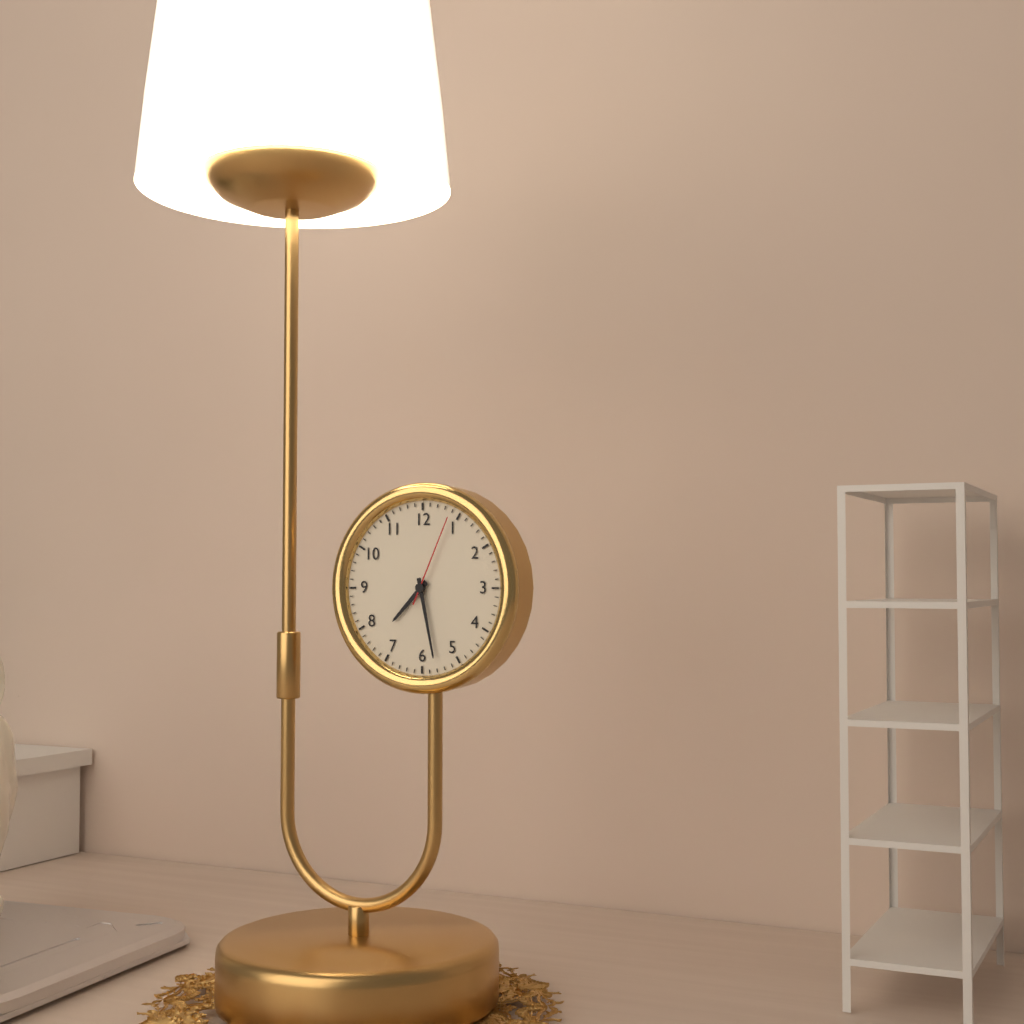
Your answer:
**7:28:04**
